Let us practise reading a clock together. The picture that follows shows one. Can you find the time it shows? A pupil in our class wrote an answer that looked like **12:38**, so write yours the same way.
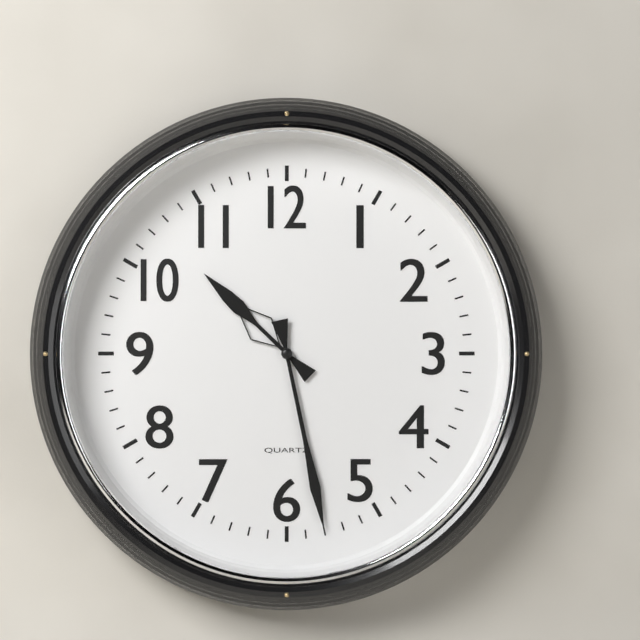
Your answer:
**10:28**
